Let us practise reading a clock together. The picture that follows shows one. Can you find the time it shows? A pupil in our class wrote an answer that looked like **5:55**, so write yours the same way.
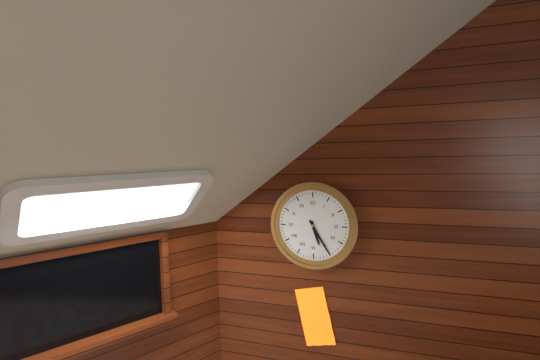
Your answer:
**5:25**
